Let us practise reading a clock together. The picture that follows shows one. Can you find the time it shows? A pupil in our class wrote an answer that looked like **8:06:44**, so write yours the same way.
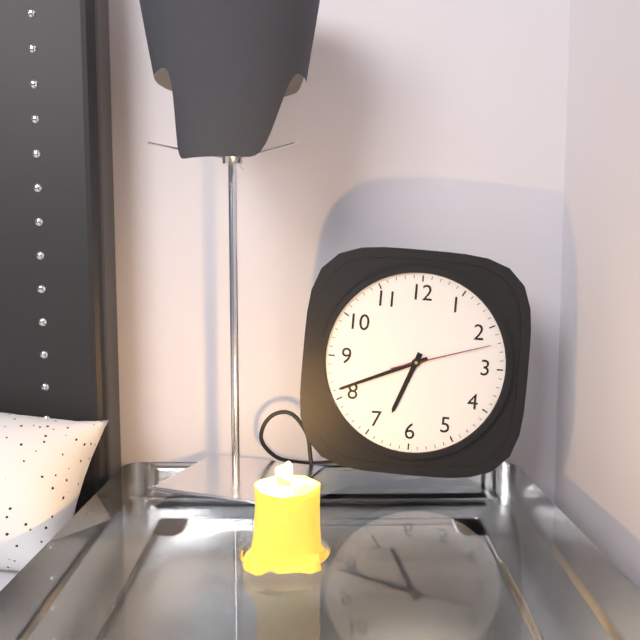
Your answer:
**6:41:12**
